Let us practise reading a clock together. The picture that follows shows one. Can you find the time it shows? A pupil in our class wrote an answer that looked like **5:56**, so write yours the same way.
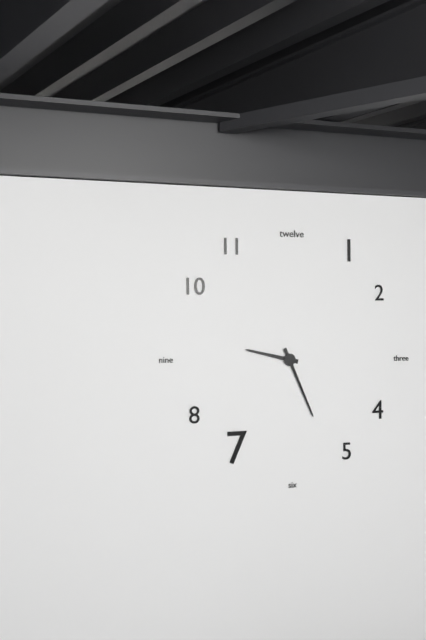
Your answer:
**9:26**
